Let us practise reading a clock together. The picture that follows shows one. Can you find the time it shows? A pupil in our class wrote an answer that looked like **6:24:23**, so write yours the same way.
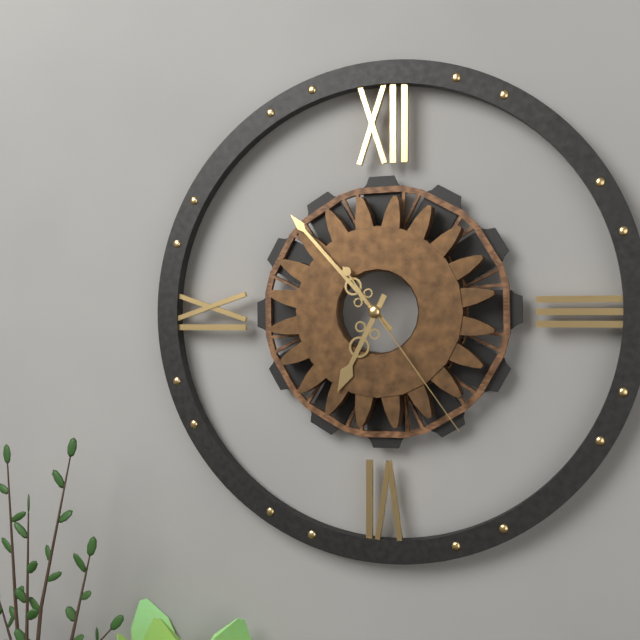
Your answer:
**6:53:24**
